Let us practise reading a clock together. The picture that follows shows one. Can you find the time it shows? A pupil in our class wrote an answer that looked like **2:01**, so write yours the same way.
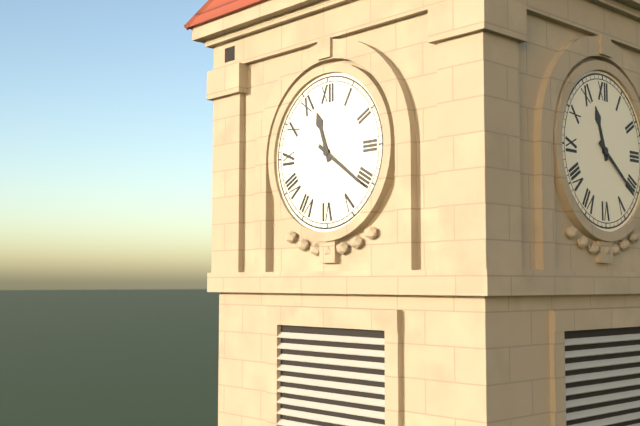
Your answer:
**11:21**
